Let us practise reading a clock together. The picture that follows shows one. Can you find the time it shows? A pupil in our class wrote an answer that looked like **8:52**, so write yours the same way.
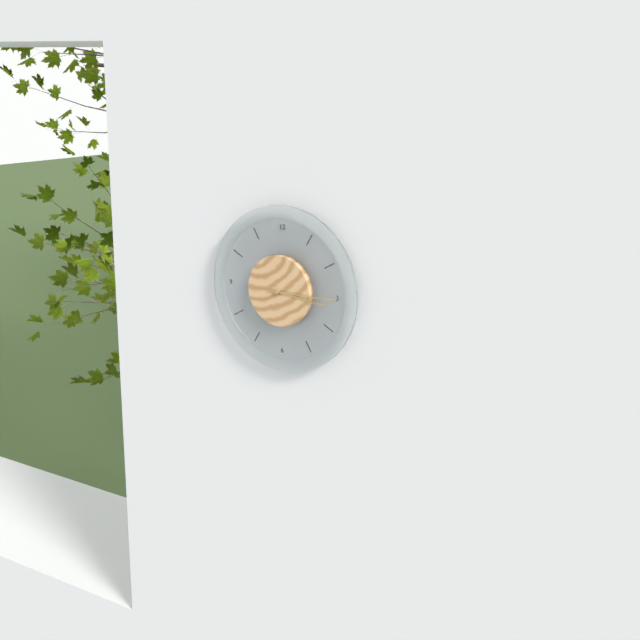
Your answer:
**3:15**
